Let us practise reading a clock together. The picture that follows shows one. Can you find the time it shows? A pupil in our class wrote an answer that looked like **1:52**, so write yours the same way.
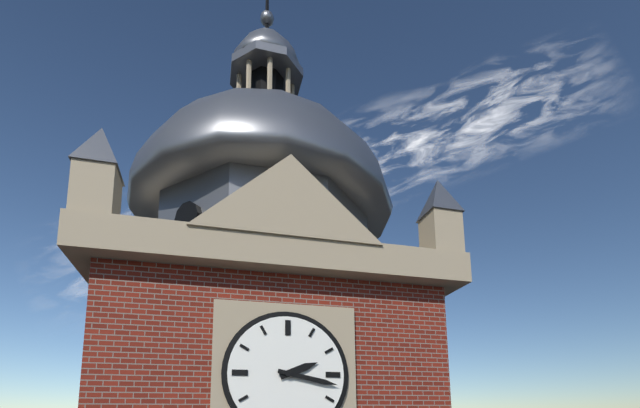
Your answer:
**2:17**
